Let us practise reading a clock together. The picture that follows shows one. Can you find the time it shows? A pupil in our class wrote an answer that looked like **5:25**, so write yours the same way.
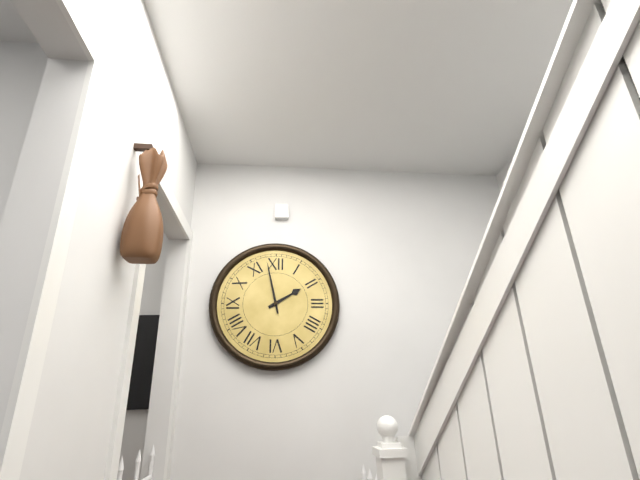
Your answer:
**1:58**
